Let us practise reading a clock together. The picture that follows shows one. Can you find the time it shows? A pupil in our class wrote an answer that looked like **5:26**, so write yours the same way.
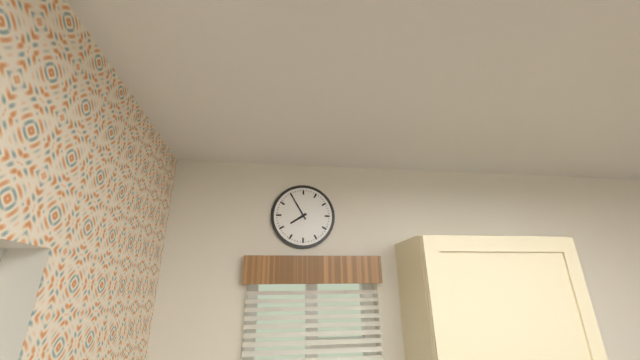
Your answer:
**7:55**
